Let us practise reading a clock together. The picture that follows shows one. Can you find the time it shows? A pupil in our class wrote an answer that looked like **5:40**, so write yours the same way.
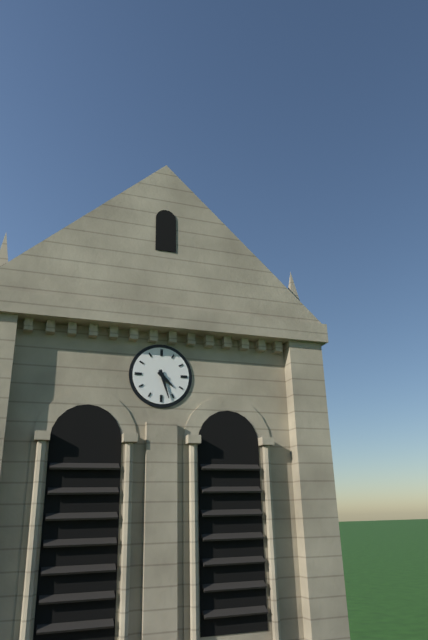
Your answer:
**4:27**
